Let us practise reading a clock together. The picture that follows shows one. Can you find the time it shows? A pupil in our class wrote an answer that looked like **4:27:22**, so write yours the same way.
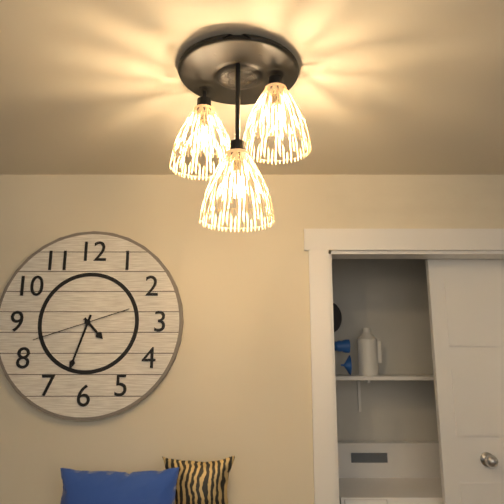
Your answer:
**4:33:42**
